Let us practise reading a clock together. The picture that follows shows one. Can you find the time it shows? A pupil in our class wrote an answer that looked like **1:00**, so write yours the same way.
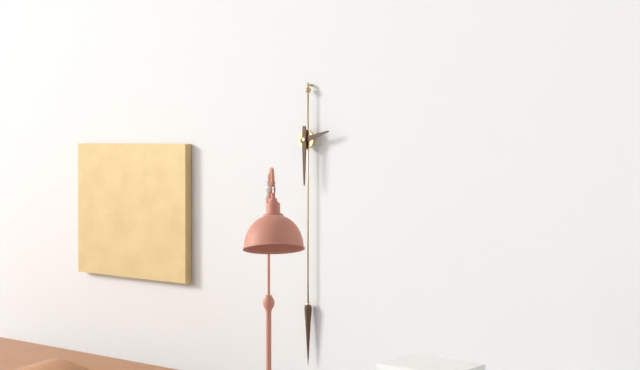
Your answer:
**2:30**
